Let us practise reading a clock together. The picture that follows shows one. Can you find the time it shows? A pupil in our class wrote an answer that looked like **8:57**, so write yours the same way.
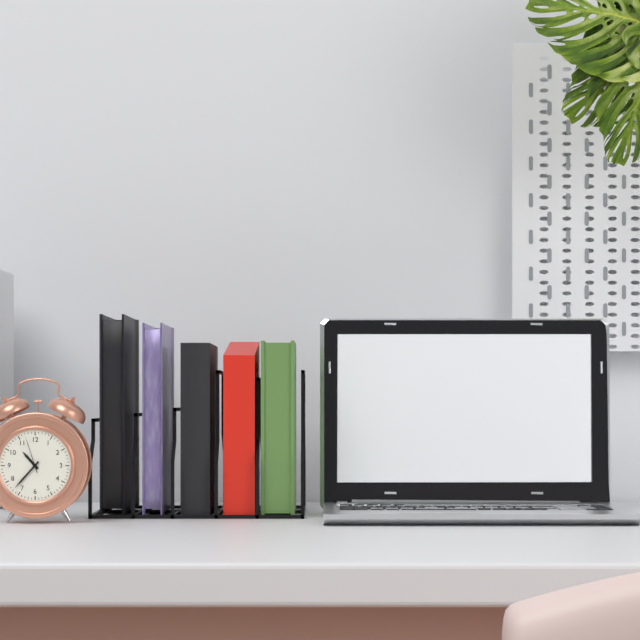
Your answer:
**10:37**
